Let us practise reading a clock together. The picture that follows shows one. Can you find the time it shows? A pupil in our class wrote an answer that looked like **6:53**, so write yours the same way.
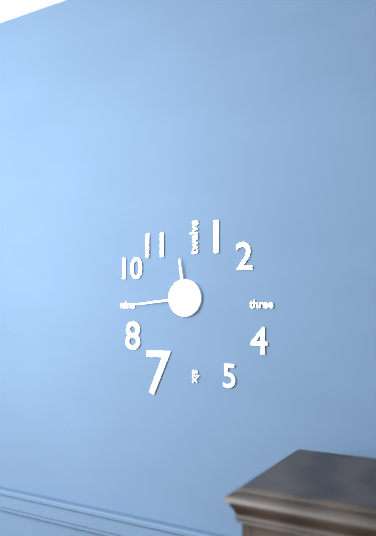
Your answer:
**11:44**
